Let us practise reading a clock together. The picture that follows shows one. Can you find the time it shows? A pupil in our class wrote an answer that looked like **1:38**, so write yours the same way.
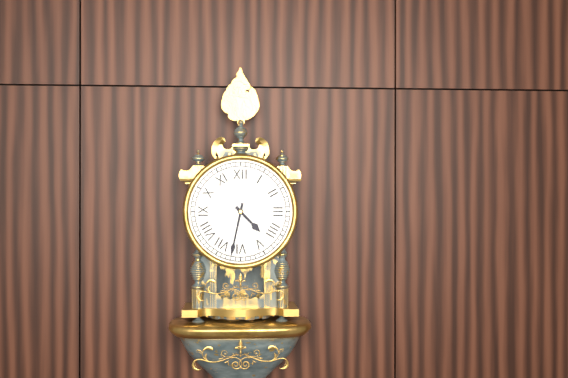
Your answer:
**4:32**
